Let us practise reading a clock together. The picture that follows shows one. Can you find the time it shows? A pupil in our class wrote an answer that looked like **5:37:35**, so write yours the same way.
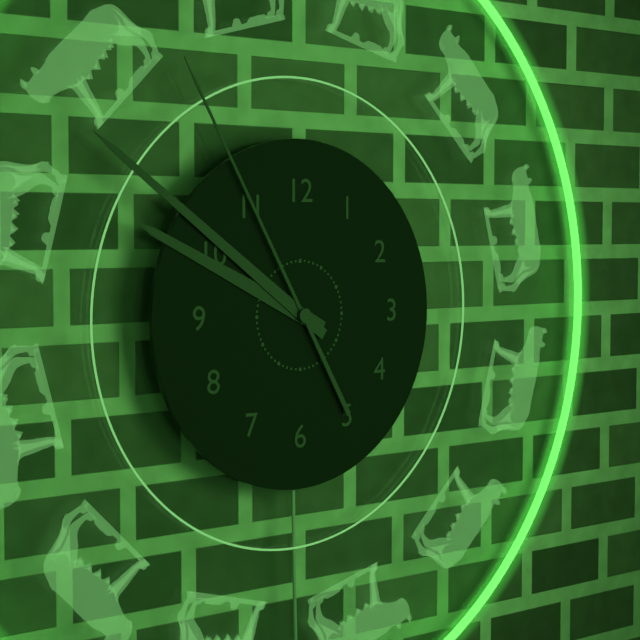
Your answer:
**9:51:55**
